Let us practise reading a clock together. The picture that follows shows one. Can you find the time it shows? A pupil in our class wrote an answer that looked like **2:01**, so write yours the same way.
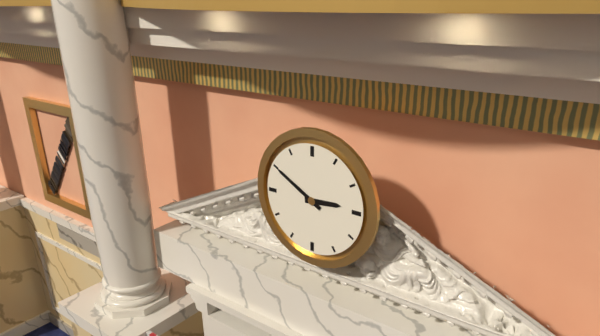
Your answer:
**2:50**
